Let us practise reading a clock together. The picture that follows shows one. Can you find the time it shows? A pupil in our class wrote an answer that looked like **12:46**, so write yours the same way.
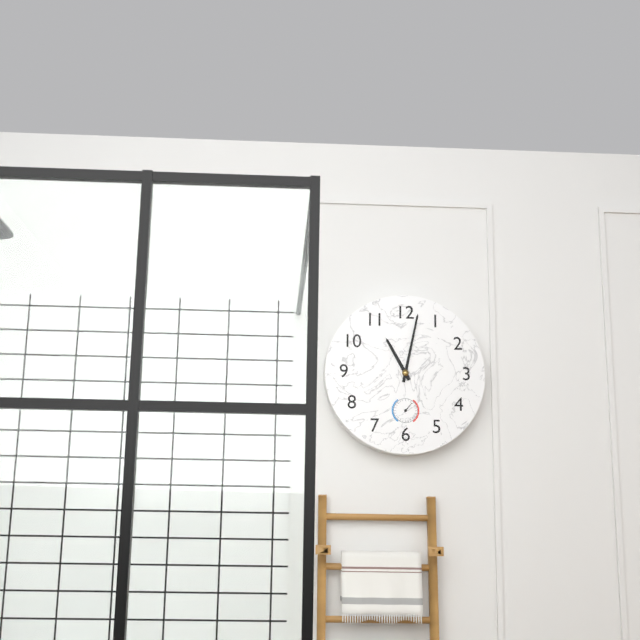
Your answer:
**11:02**
